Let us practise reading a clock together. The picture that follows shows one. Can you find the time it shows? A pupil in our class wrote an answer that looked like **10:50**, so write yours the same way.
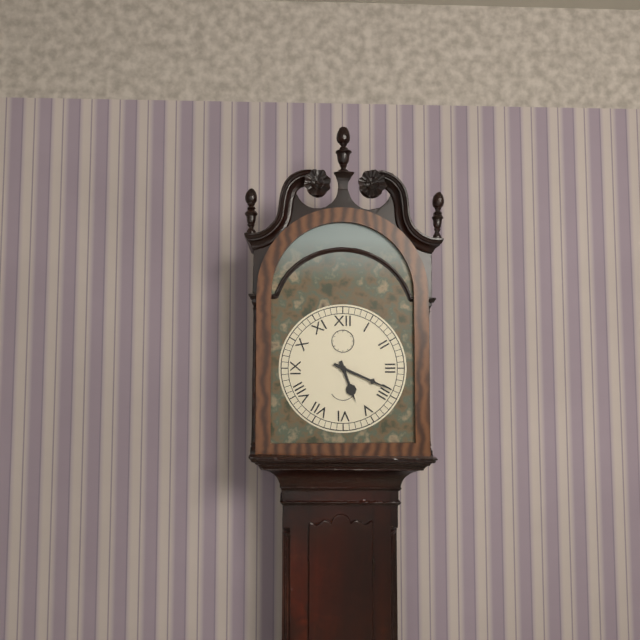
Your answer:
**5:19**
